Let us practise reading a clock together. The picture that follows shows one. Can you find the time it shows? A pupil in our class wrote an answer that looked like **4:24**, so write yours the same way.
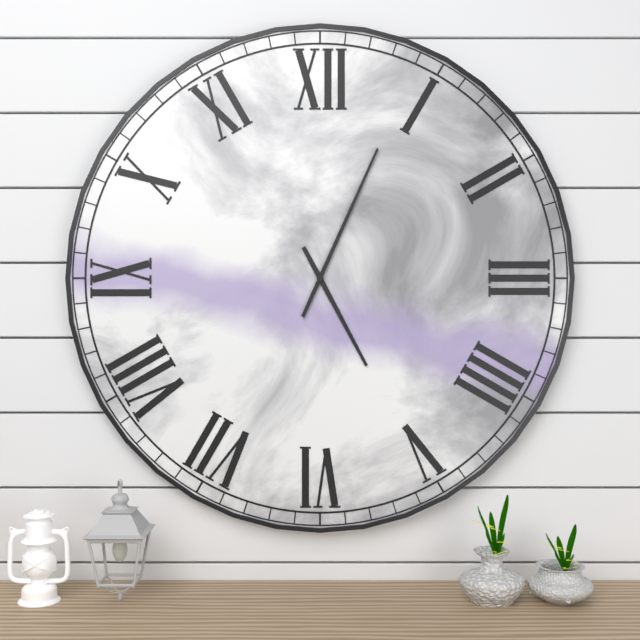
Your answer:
**5:04**
